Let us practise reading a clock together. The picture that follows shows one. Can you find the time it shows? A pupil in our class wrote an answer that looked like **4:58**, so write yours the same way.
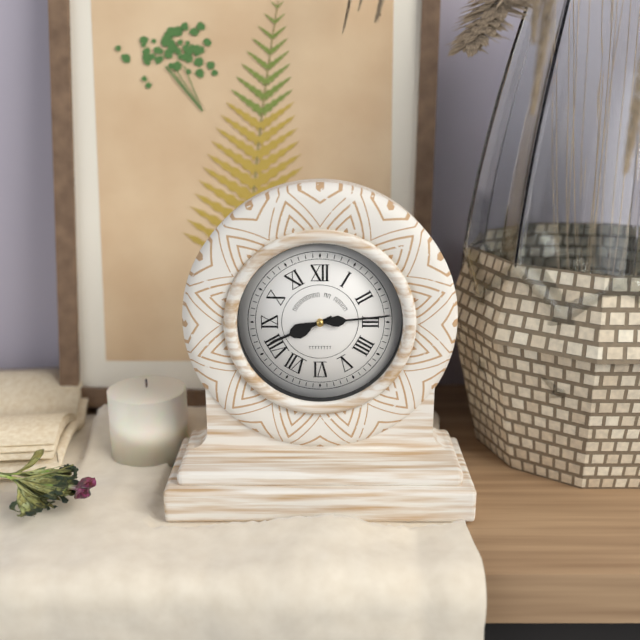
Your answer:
**8:14**
